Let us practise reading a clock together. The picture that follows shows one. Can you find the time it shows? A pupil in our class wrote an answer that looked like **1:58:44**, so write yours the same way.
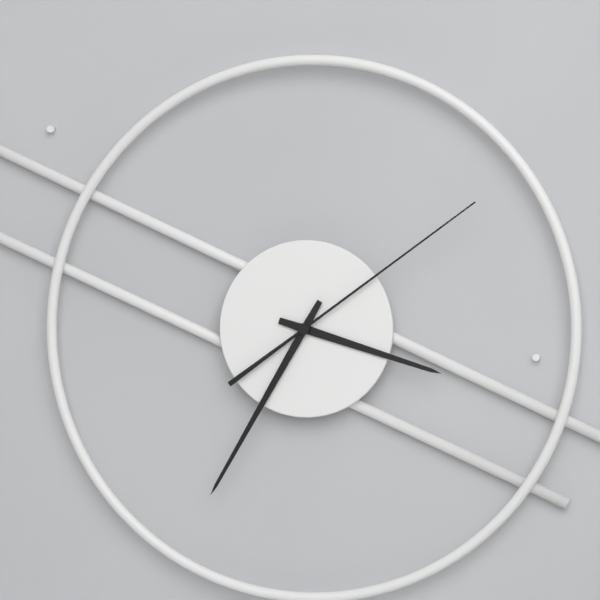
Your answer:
**3:35:09**
